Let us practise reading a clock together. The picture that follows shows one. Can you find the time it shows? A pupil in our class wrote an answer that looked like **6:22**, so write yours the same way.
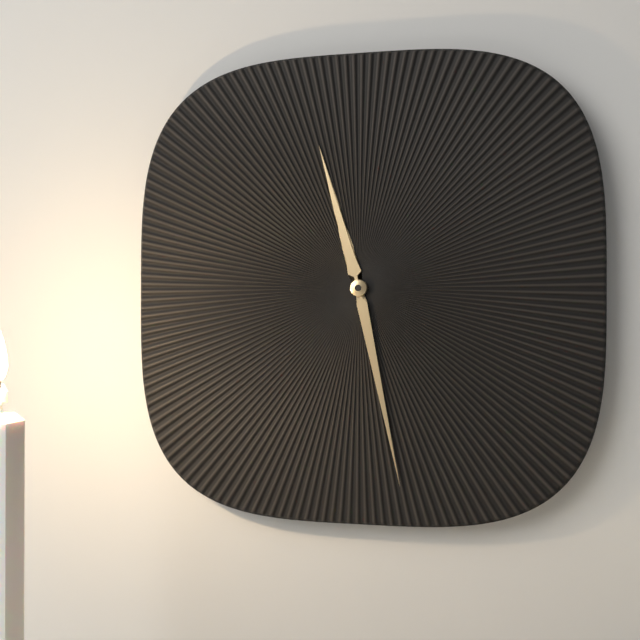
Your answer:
**11:28**
